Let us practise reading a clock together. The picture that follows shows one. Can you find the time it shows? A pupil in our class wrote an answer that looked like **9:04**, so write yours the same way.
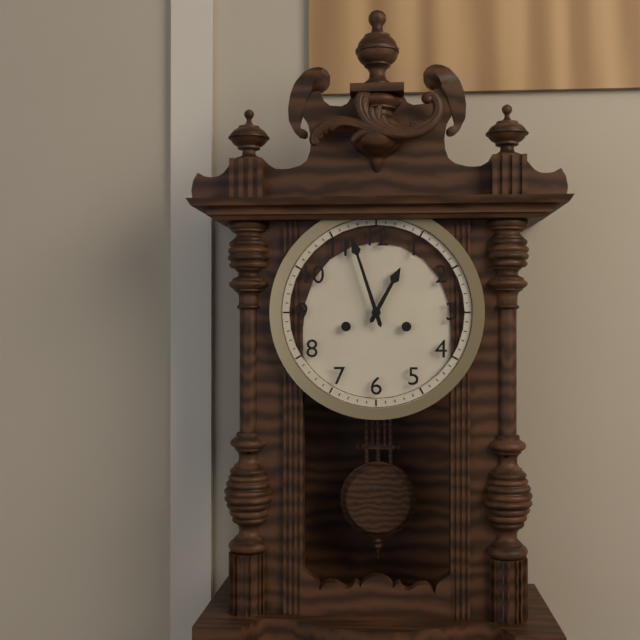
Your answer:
**12:57**
